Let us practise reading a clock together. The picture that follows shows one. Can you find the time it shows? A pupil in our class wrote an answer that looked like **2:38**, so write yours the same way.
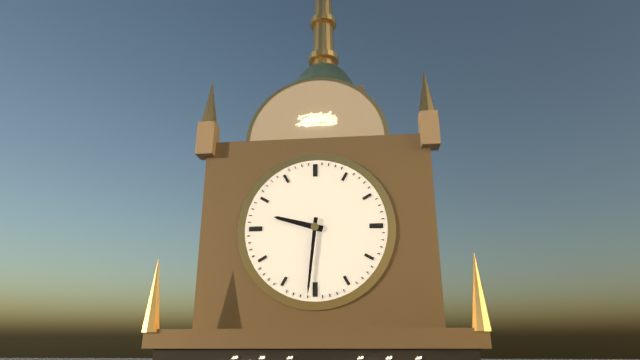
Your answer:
**9:31**
